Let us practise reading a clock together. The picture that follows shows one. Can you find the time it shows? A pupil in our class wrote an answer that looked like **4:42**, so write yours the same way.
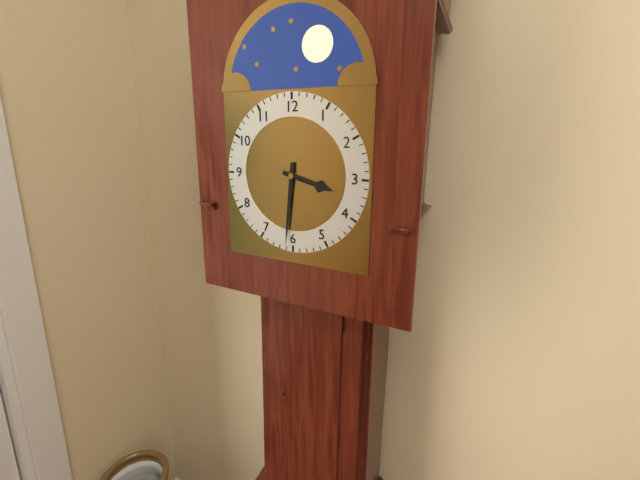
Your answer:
**3:31**
